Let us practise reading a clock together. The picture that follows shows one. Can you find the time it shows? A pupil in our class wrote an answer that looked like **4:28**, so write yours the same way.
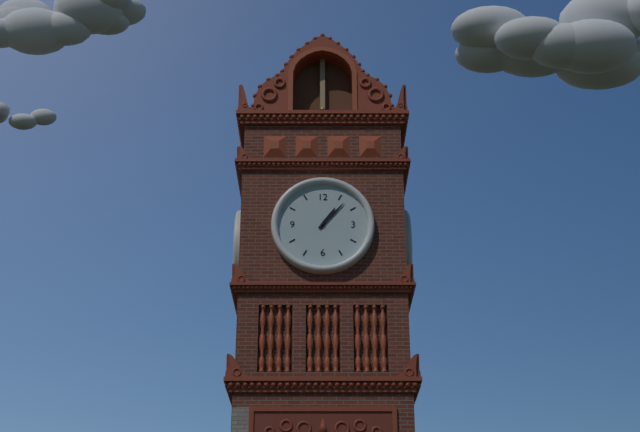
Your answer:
**1:07**
